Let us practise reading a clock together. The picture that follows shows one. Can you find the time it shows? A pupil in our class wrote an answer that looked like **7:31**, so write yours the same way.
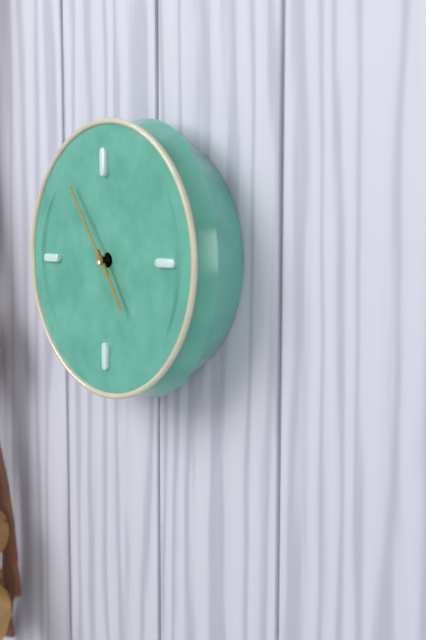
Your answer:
**4:54**
